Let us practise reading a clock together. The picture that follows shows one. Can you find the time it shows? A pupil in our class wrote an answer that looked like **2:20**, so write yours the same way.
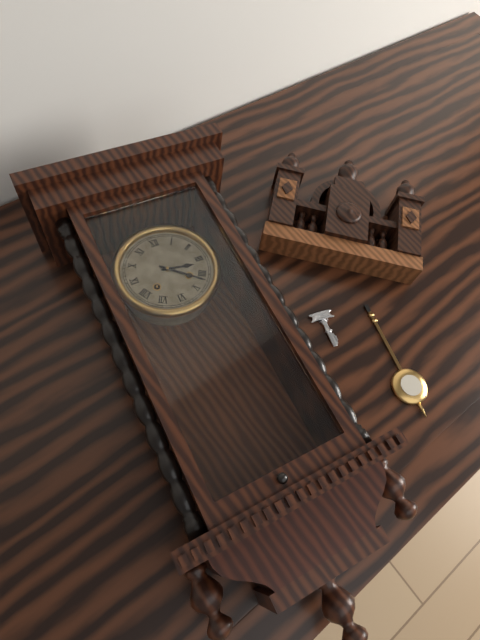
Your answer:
**3:22**
